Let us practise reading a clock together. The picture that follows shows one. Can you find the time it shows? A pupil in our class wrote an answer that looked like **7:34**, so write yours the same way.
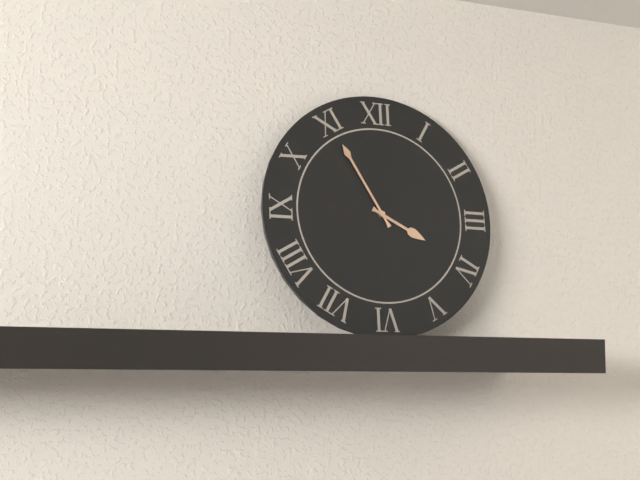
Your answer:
**3:55**
